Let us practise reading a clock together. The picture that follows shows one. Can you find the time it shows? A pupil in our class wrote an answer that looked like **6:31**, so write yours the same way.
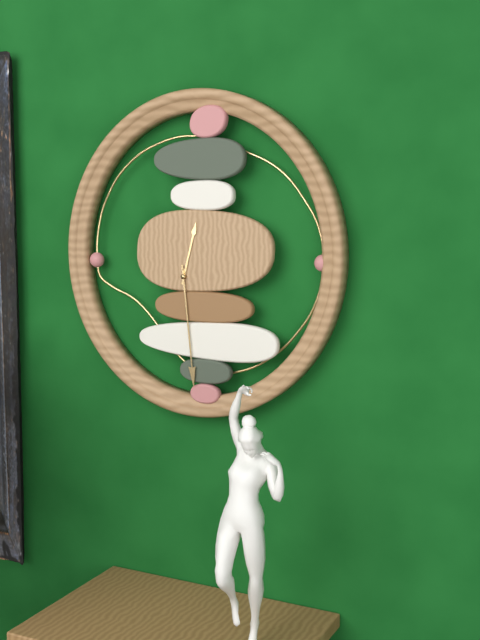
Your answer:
**12:29**
